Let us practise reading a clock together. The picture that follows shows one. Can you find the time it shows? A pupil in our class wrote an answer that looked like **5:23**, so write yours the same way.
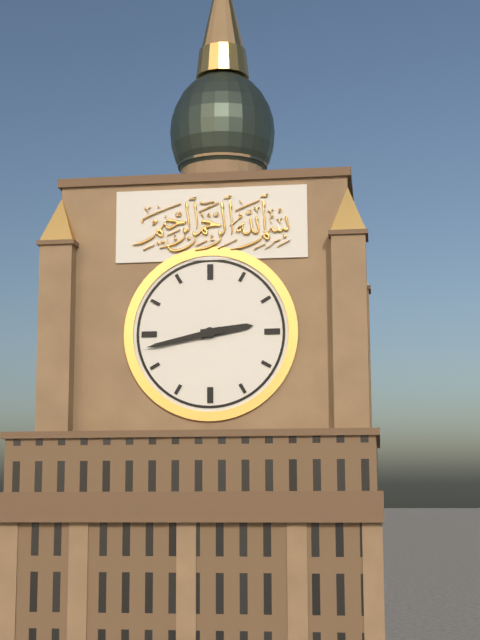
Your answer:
**2:43**
